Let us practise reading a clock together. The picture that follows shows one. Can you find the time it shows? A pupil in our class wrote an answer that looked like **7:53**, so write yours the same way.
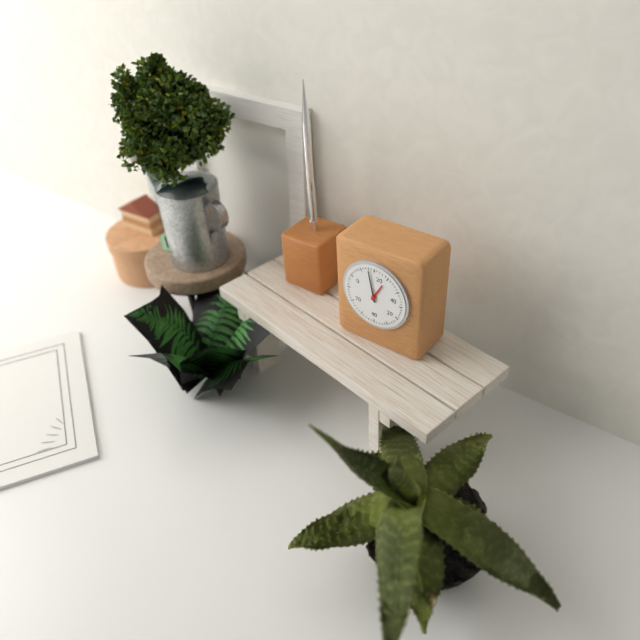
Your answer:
**12:58**
